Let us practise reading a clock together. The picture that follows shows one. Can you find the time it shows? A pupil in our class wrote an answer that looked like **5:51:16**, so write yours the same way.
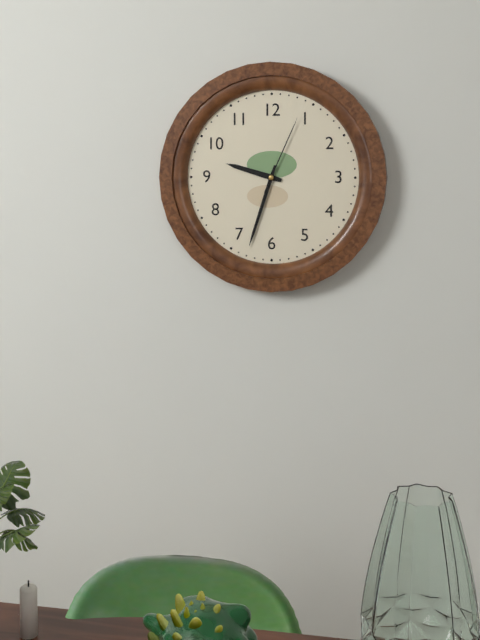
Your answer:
**9:33:04**
